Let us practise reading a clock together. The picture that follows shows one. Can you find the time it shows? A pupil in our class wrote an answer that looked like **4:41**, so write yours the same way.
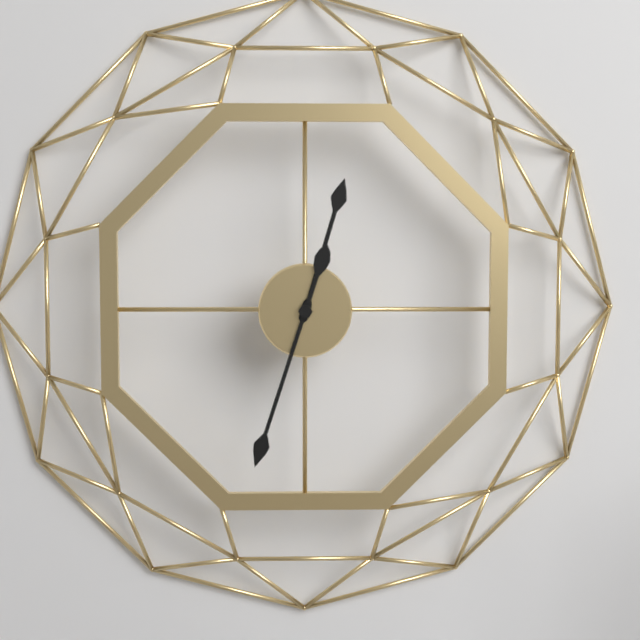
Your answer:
**12:33**
